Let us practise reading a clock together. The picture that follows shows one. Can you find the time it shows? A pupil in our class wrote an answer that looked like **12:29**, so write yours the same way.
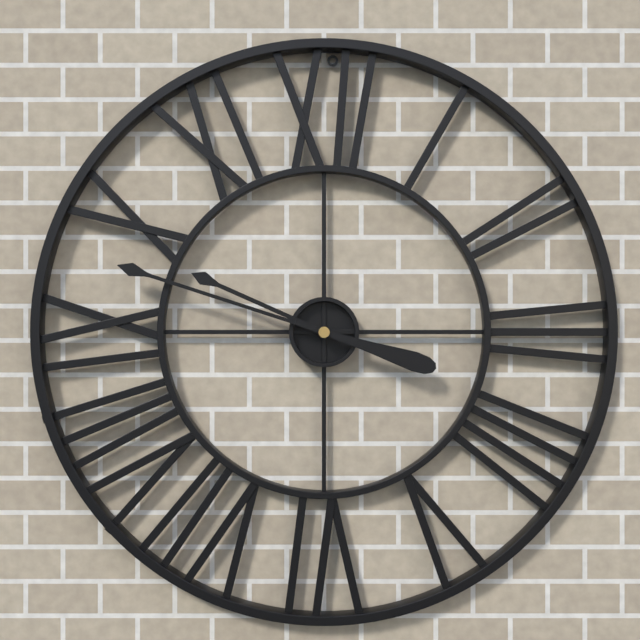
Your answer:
**9:48**
